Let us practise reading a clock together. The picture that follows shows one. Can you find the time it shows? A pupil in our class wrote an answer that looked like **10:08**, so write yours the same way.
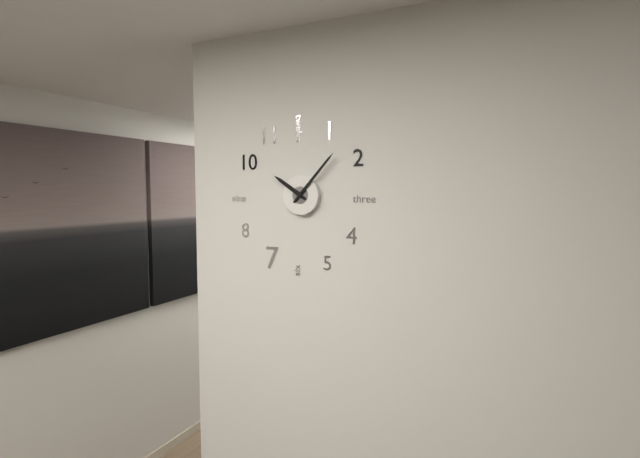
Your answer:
**10:07**
